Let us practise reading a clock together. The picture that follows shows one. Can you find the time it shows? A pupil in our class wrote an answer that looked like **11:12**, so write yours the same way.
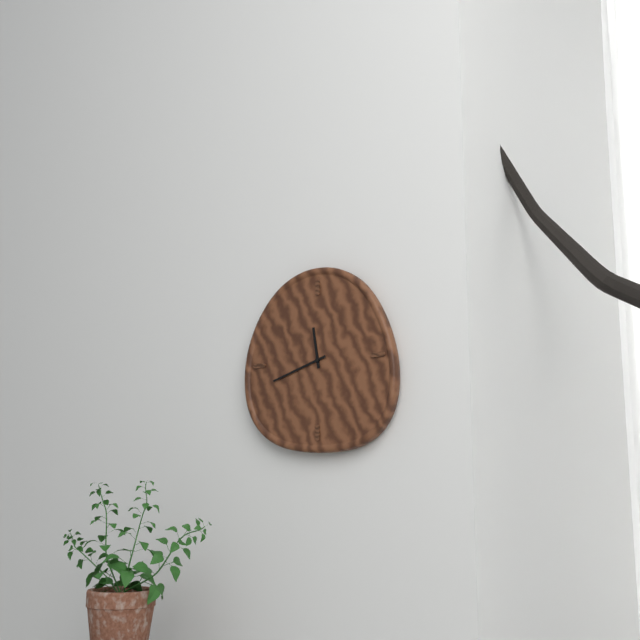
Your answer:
**11:42**
